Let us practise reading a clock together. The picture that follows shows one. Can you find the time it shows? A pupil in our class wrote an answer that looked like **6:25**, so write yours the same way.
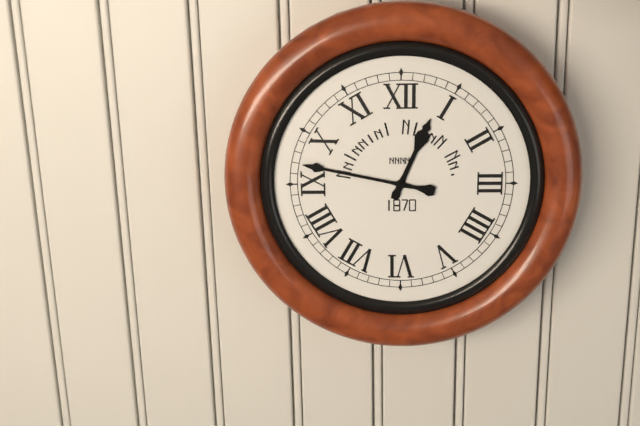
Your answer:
**12:47**
